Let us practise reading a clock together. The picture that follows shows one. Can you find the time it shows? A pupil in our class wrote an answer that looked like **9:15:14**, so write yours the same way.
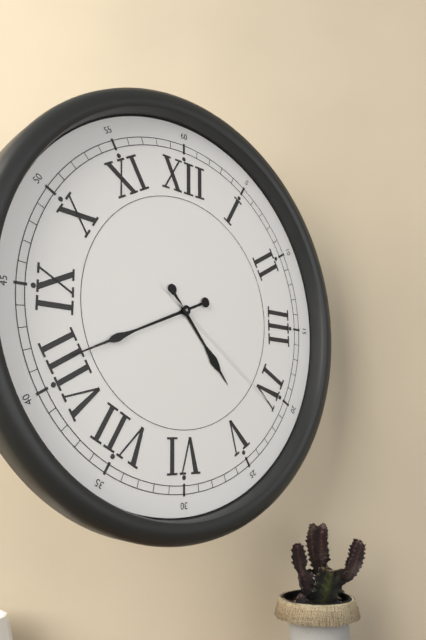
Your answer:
**4:41:21**
